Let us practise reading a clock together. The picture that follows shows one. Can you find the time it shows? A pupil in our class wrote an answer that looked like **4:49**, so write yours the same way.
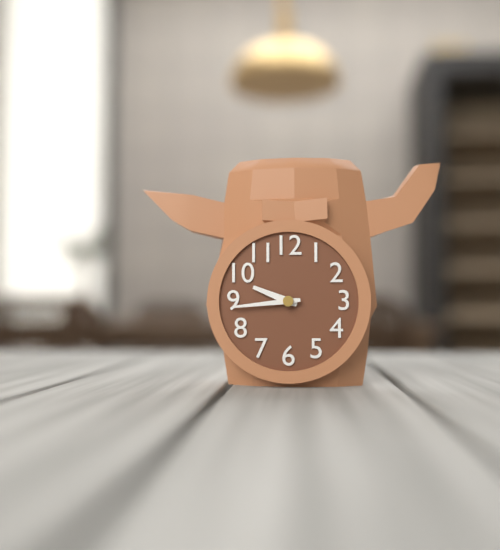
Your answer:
**9:44**
